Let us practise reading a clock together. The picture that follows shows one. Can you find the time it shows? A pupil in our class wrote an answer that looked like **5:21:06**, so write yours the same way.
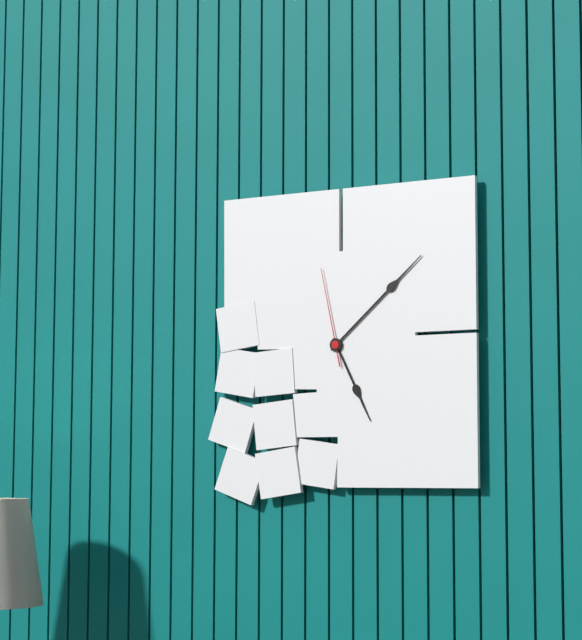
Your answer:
**5:08:58**
